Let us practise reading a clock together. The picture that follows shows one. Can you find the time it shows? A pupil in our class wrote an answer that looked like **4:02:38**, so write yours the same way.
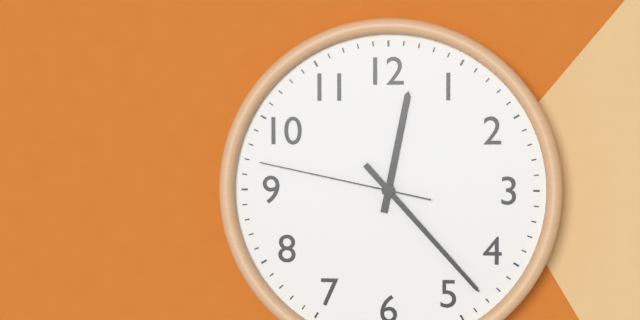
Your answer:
**12:23:47**
